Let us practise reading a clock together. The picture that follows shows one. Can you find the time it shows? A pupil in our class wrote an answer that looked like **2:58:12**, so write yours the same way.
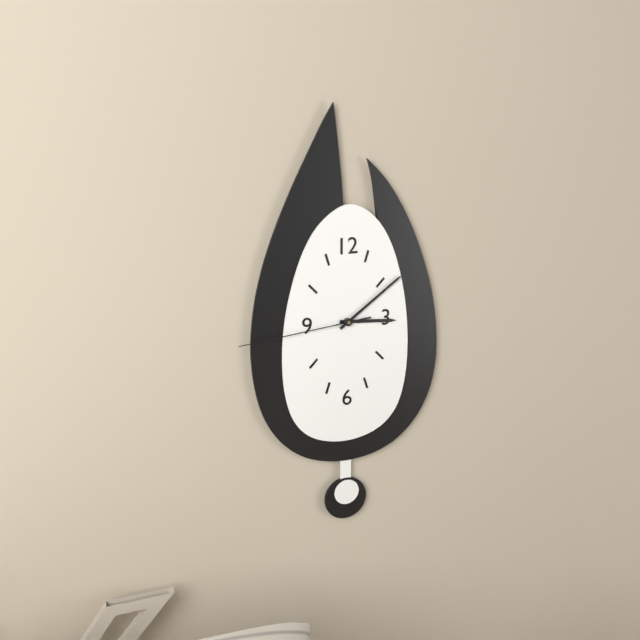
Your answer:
**3:09:44**
